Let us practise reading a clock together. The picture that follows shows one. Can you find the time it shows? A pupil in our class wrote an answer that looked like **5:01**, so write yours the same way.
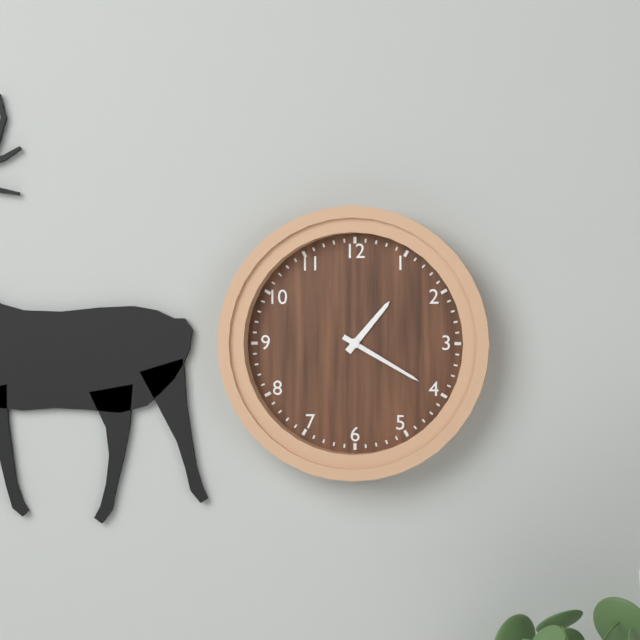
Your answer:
**1:20**
